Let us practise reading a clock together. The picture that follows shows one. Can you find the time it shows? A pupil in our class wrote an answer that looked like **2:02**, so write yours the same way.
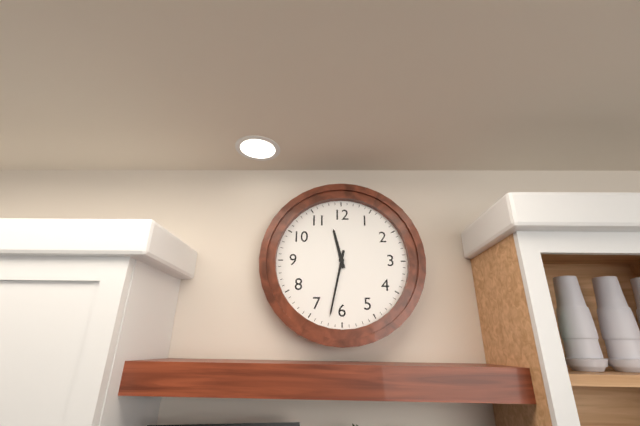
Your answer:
**11:32**
